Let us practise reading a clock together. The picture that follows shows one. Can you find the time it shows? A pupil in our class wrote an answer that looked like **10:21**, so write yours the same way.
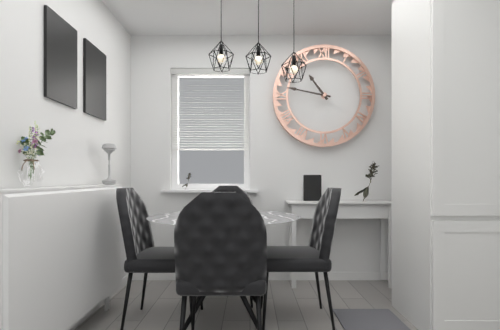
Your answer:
**10:47**
